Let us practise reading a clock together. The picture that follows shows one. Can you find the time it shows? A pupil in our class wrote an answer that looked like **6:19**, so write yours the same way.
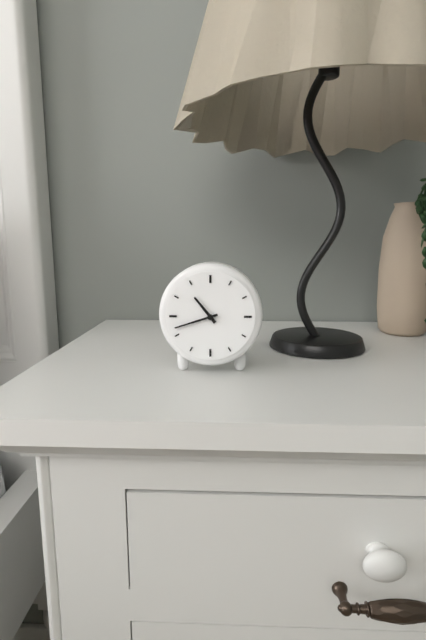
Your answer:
**10:42**
